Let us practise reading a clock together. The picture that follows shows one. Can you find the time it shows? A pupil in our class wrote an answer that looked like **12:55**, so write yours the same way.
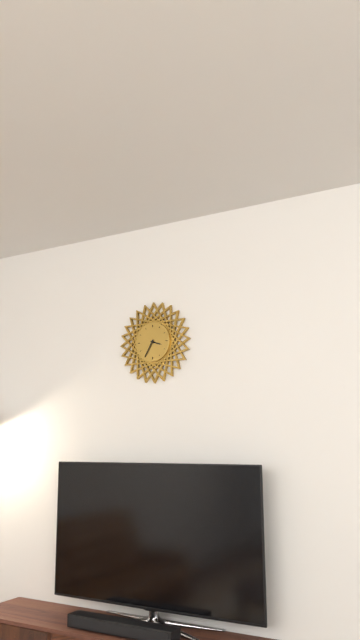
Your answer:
**3:35**
